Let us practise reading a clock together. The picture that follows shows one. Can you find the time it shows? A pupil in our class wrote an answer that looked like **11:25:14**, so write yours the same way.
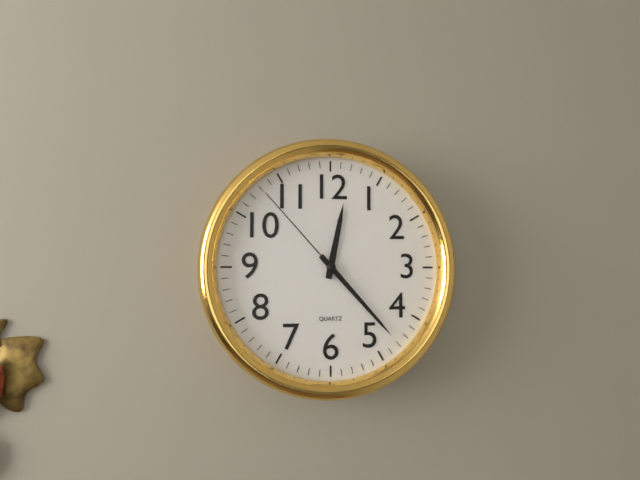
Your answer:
**12:23:53**
